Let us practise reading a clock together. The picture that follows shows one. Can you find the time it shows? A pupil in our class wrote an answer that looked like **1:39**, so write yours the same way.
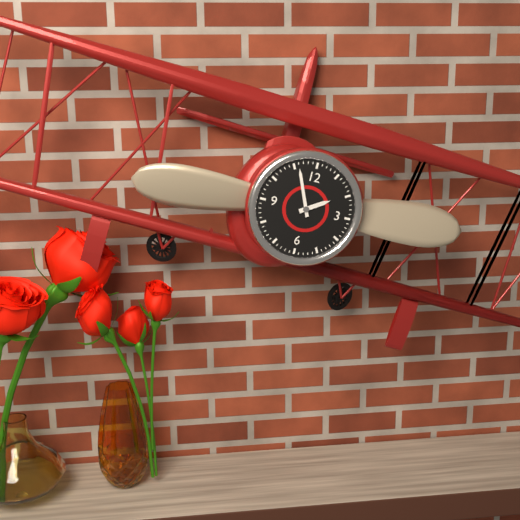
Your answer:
**1:56**
